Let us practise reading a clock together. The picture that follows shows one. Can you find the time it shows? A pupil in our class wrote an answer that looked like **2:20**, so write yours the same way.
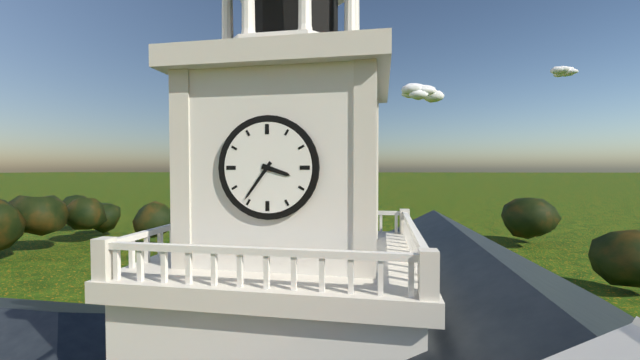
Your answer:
**3:36**
